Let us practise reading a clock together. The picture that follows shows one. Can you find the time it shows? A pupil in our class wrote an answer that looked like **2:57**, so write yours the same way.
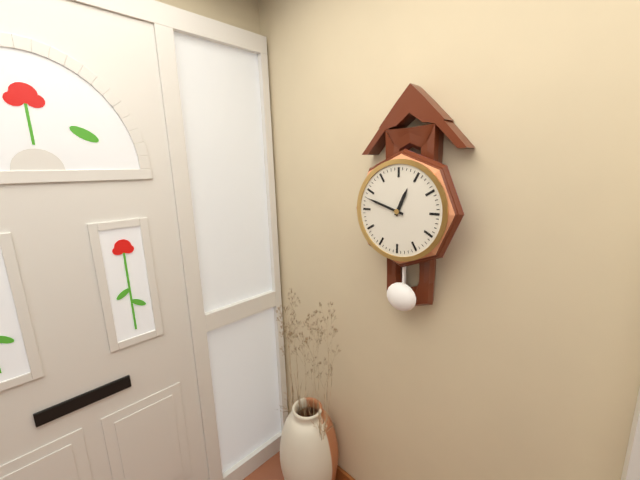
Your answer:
**12:48**
